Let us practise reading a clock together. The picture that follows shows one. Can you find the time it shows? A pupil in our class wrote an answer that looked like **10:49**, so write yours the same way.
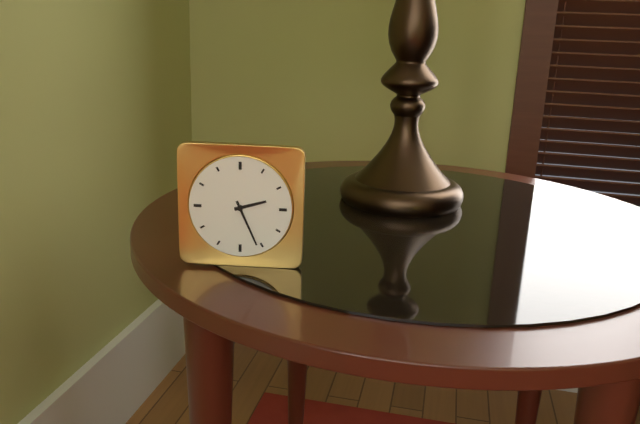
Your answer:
**2:26**
